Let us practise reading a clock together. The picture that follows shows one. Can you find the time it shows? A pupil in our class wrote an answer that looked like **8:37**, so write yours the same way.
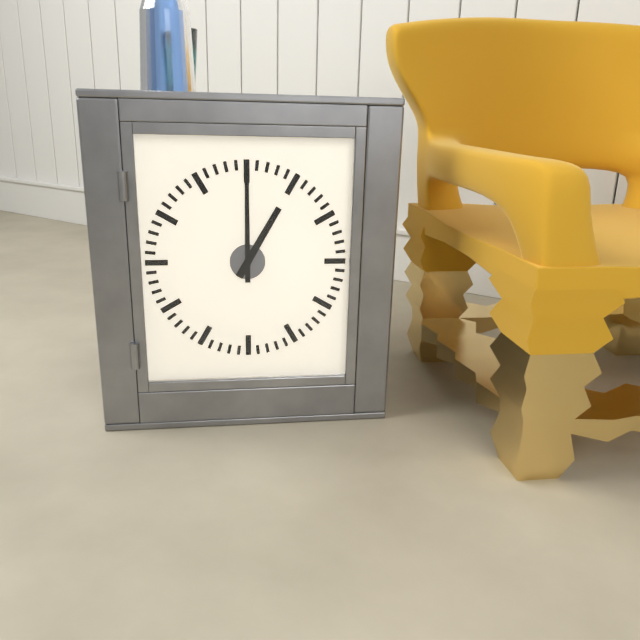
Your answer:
**1:00**
